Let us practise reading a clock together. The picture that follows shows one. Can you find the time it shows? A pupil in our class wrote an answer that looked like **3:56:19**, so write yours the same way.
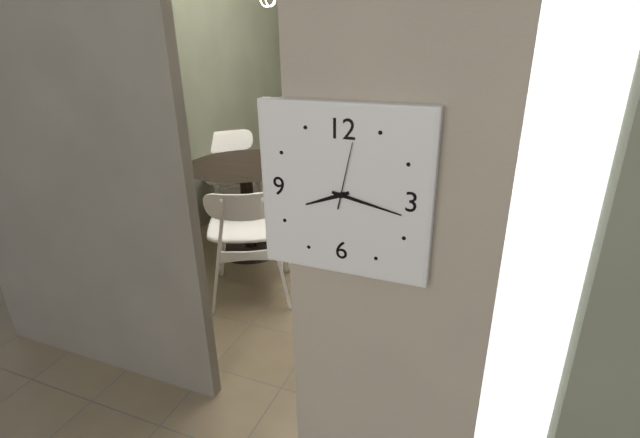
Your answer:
**8:17:02**
